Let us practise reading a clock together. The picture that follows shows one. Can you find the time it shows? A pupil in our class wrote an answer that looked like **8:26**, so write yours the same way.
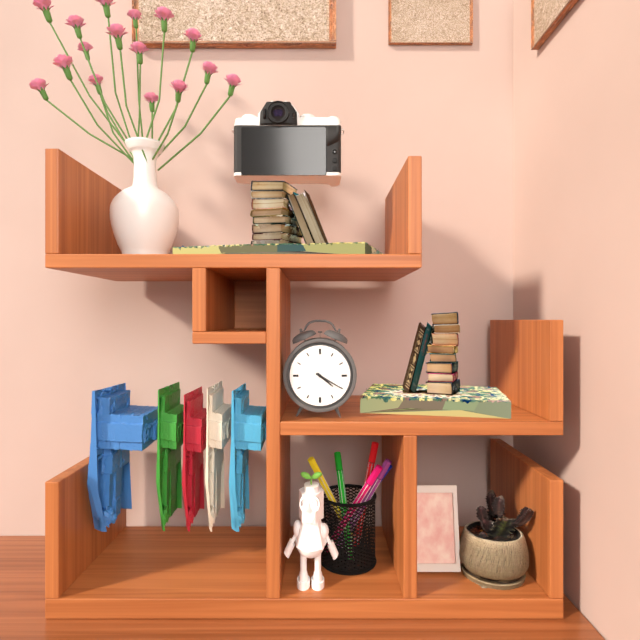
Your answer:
**4:20**
